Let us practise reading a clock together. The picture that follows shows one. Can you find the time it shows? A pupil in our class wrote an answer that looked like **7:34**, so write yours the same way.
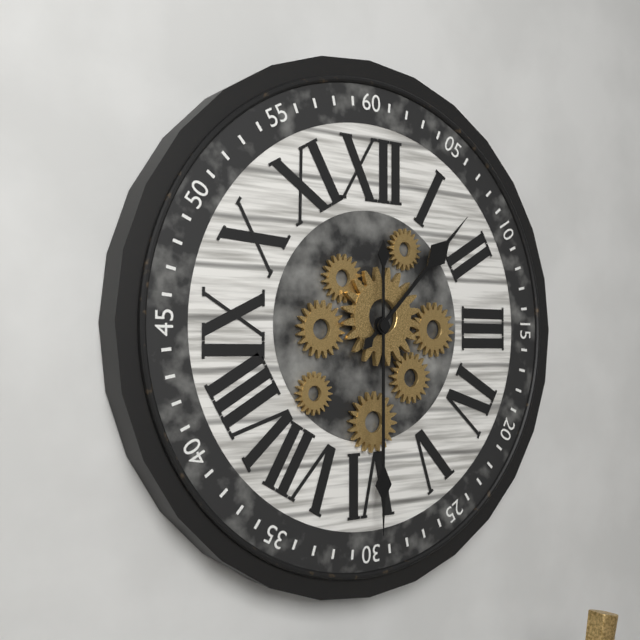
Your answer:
**1:30**
